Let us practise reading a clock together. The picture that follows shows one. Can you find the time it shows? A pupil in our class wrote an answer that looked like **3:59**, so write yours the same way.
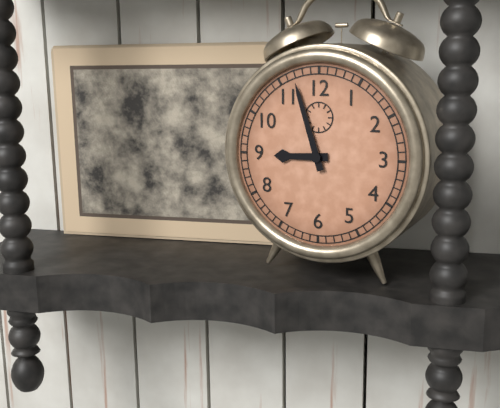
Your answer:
**8:57**
